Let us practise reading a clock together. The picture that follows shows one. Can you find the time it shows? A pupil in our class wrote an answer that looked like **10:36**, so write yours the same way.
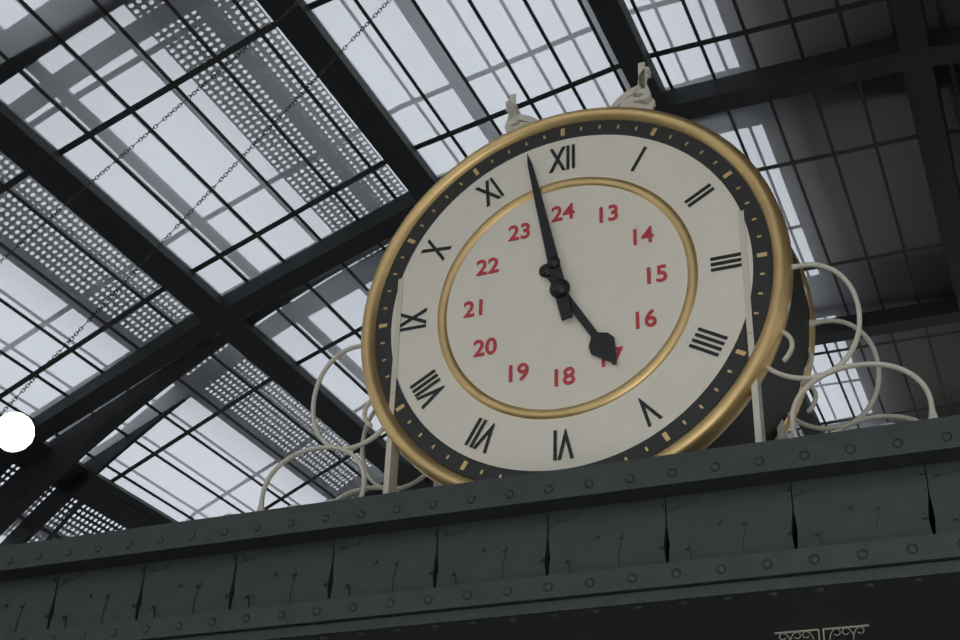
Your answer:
**4:58**
